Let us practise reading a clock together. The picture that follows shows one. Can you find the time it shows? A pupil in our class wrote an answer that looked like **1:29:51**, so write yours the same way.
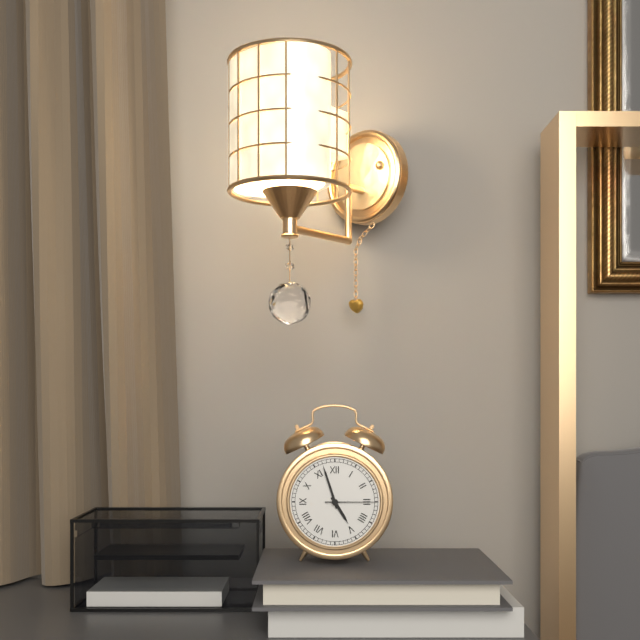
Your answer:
**4:57:15**
